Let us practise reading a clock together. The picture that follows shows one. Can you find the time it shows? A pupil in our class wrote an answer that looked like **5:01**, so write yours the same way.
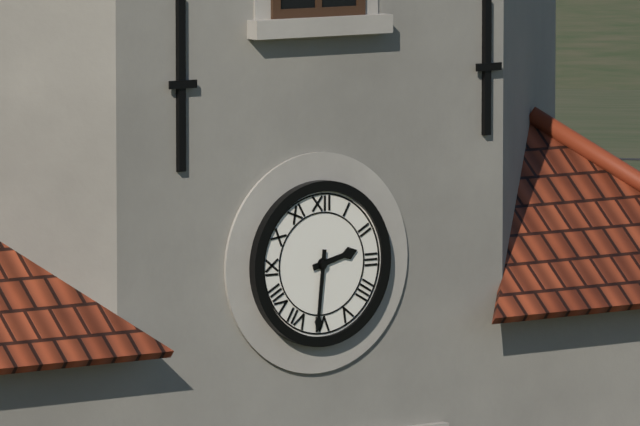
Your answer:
**2:31**
